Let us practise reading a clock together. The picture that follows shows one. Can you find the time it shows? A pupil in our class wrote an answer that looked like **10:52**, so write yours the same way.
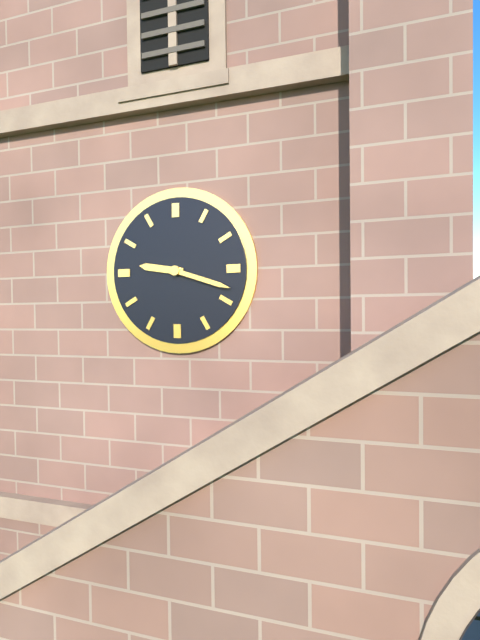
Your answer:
**9:18**
